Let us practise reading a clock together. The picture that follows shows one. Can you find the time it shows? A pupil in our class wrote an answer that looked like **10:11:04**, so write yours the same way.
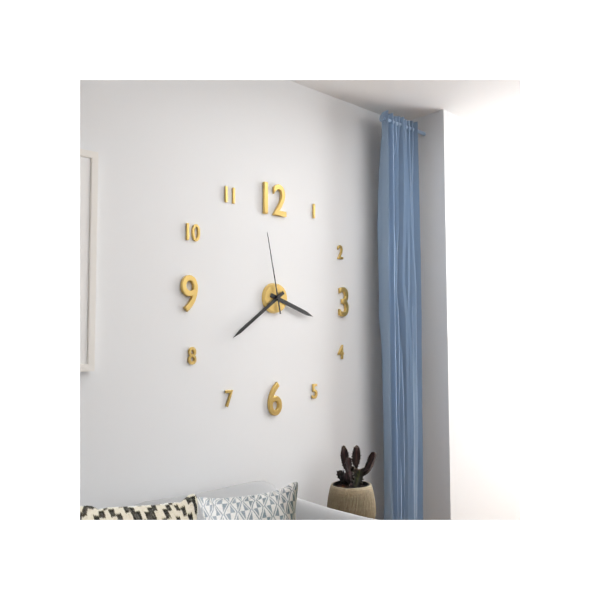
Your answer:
**3:39:58**
